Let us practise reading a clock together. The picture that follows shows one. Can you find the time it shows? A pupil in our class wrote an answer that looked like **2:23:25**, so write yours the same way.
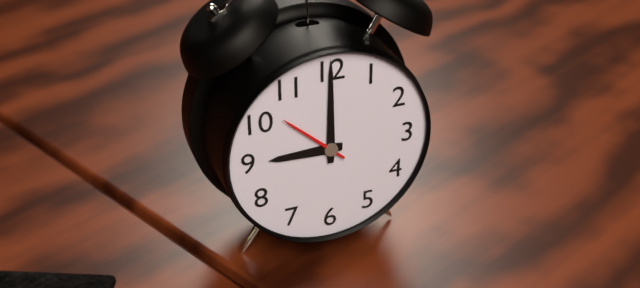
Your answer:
**9:00:52**
